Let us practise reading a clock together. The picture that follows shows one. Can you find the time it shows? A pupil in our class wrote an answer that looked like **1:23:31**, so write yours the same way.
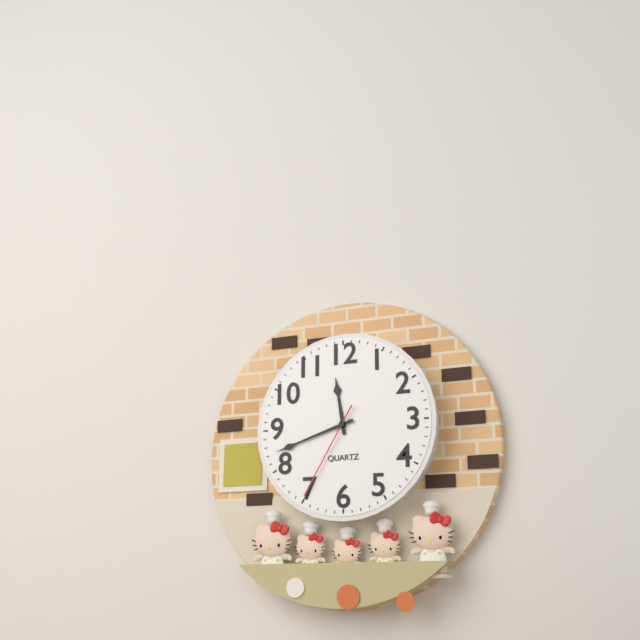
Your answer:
**11:42:35**
